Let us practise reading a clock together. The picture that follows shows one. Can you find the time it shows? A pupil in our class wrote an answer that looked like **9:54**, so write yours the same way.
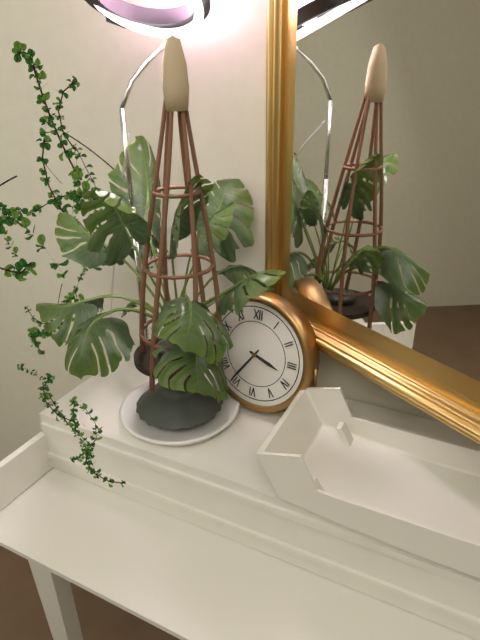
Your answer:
**3:36**
